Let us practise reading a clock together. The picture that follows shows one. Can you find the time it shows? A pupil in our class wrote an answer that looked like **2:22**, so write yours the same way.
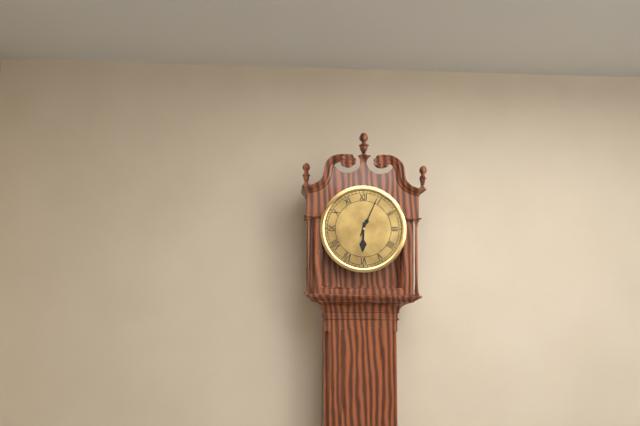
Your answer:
**6:04**
